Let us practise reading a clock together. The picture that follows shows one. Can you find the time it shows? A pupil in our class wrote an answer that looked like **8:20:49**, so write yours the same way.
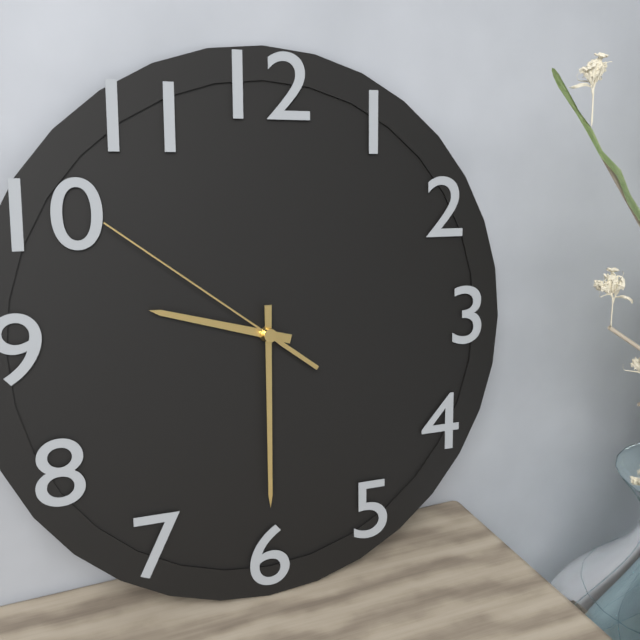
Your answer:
**9:30:51**
